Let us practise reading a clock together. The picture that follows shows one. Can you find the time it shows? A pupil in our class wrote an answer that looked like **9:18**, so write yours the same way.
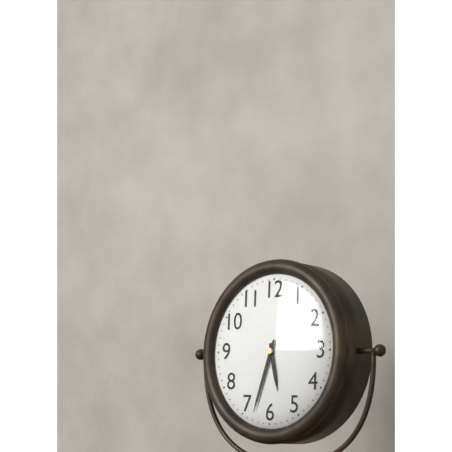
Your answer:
**5:33**
